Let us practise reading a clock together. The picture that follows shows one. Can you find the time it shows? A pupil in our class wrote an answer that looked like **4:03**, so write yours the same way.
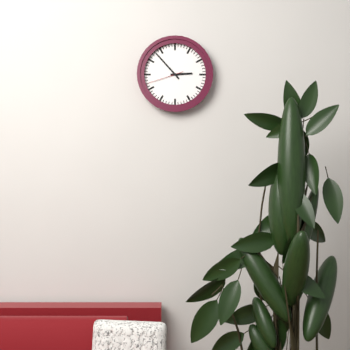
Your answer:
**2:53**
